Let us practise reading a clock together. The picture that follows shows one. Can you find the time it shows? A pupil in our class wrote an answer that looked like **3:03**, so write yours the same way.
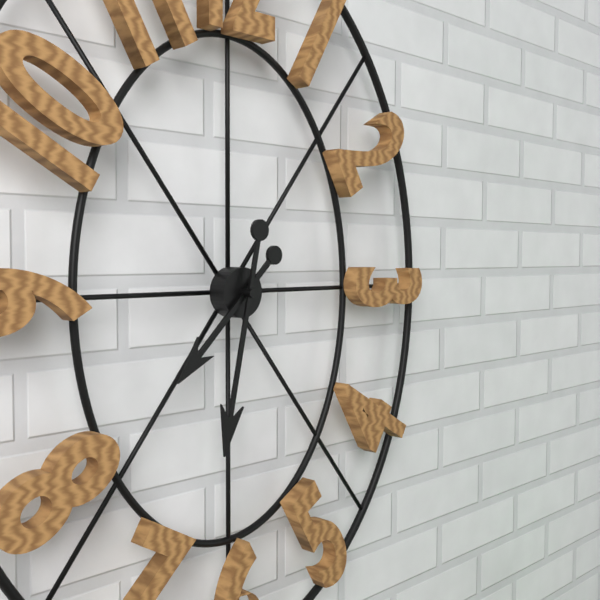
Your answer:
**7:32**
